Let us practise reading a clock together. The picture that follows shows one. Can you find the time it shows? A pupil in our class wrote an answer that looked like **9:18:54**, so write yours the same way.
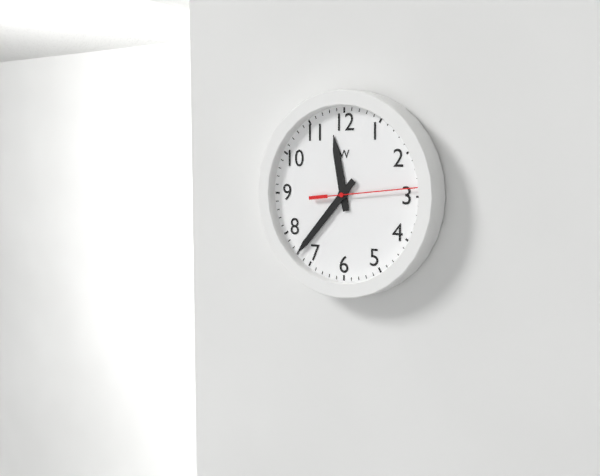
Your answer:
**11:37:14**
